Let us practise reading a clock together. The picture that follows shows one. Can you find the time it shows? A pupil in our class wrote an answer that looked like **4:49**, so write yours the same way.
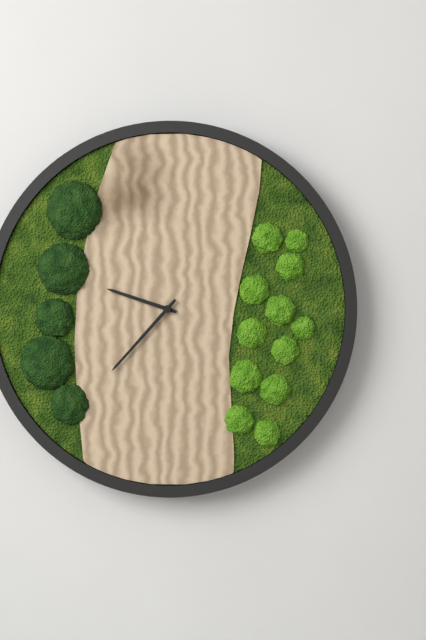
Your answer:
**9:37**
